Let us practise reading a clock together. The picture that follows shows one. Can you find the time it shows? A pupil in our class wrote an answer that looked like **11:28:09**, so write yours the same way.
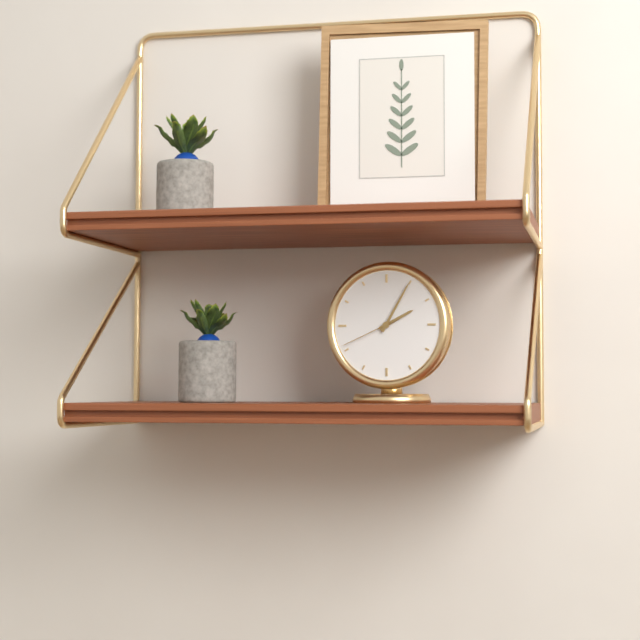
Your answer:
**2:05:41**
